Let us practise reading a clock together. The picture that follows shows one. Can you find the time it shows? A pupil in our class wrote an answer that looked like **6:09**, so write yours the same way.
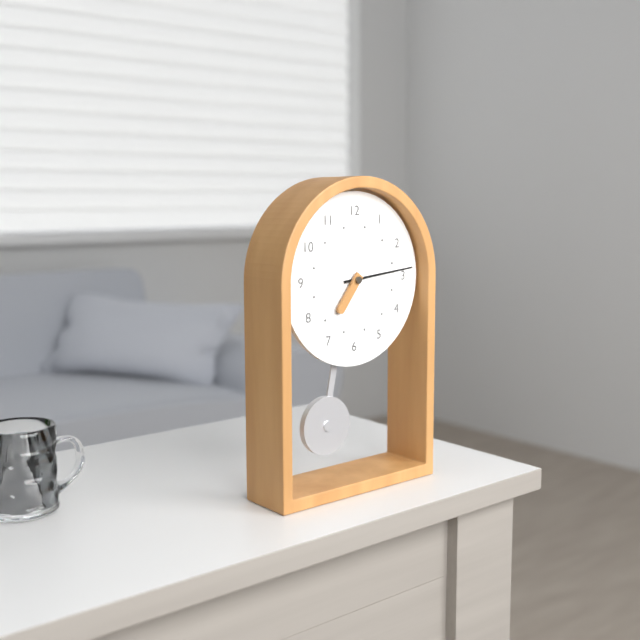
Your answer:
**7:14**
